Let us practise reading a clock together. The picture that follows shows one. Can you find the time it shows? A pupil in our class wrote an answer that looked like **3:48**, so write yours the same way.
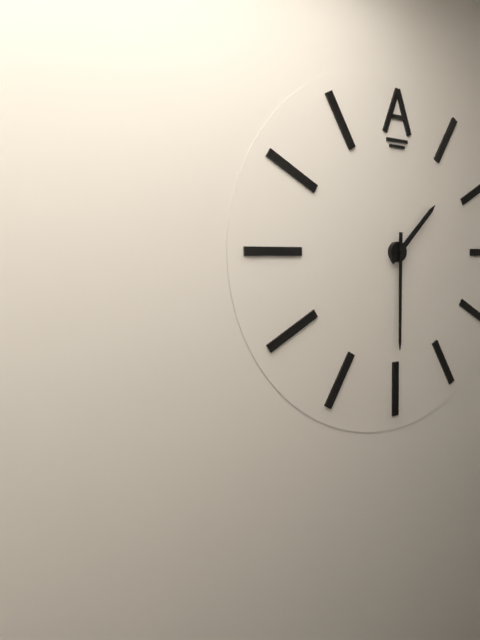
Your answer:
**1:30**
